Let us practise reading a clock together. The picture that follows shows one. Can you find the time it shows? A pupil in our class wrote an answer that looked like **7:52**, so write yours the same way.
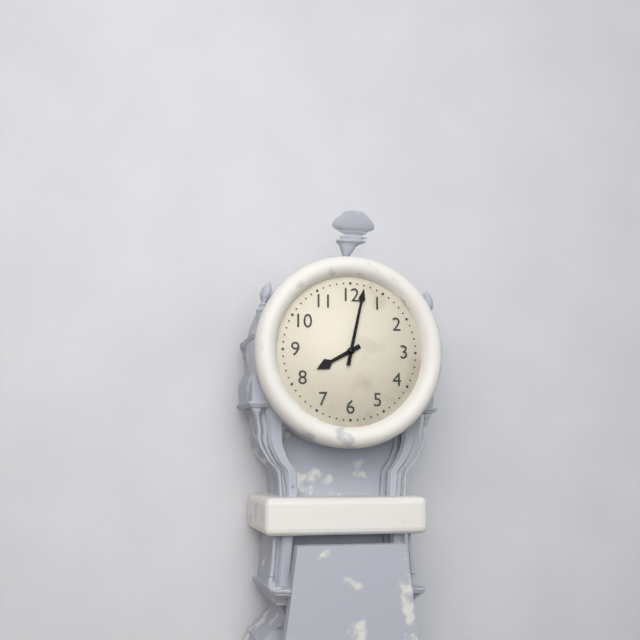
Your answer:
**8:02**
